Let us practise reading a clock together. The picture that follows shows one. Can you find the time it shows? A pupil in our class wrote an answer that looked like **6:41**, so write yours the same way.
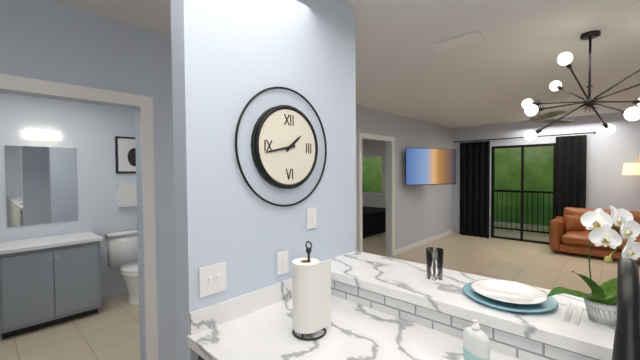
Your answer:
**1:43**
